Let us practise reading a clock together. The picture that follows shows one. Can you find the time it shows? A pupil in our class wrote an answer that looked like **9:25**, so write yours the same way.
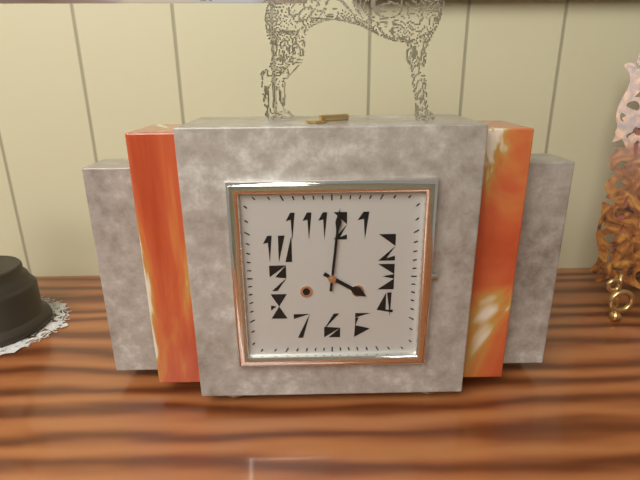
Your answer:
**4:01**
